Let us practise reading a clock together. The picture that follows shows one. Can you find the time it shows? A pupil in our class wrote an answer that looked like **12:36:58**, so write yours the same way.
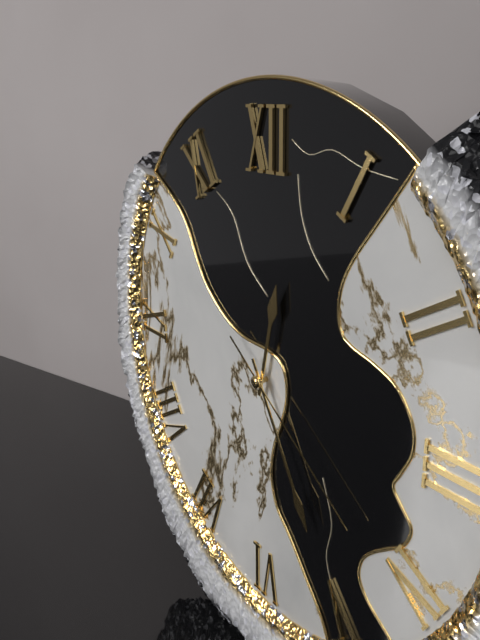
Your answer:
**12:25:21**
